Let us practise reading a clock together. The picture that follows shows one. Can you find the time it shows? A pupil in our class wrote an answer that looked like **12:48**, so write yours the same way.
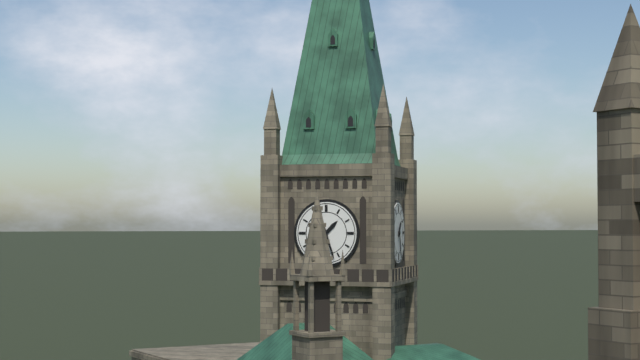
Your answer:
**1:27**
